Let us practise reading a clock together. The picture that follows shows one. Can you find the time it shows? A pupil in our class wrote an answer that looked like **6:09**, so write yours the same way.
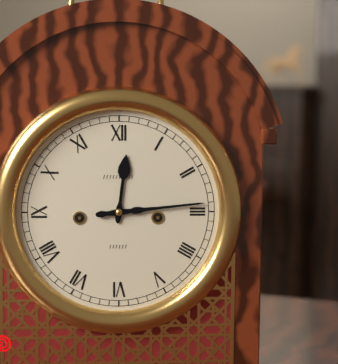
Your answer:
**12:14**
